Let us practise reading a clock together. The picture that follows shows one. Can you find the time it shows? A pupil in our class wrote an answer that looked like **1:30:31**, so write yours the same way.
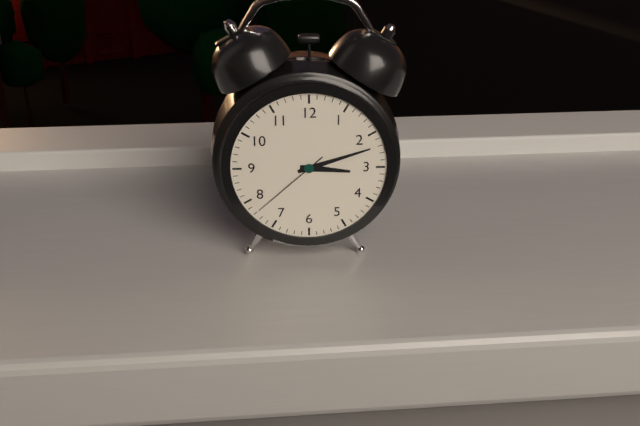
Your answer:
**3:12:38**
